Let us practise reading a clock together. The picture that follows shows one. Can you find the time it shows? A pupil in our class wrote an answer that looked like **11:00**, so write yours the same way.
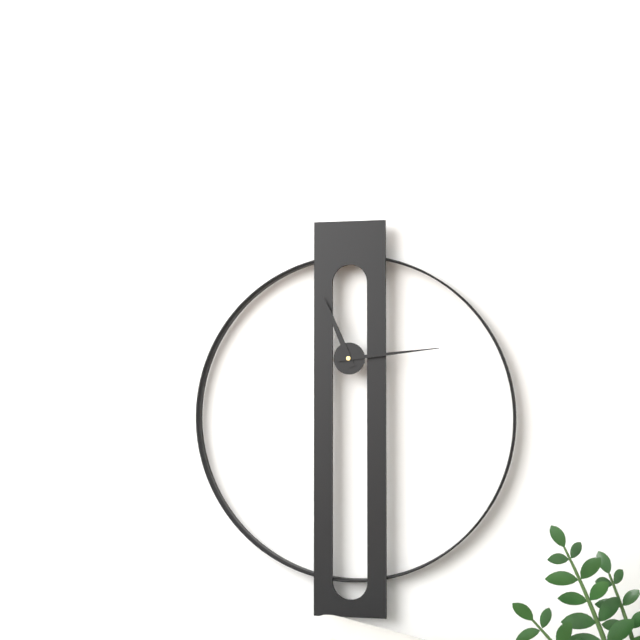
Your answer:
**11:14**
